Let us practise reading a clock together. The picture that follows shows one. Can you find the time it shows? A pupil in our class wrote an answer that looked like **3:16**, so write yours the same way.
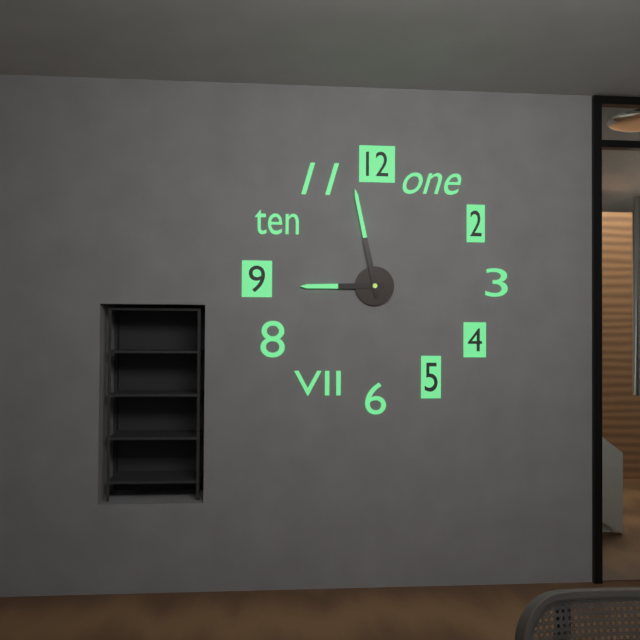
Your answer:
**8:58**
